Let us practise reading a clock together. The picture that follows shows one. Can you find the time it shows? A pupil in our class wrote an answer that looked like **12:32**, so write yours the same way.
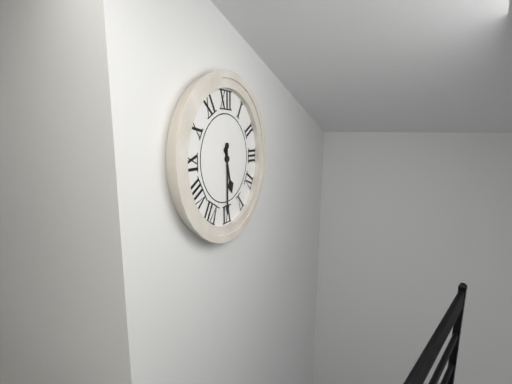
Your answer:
**5:30**
